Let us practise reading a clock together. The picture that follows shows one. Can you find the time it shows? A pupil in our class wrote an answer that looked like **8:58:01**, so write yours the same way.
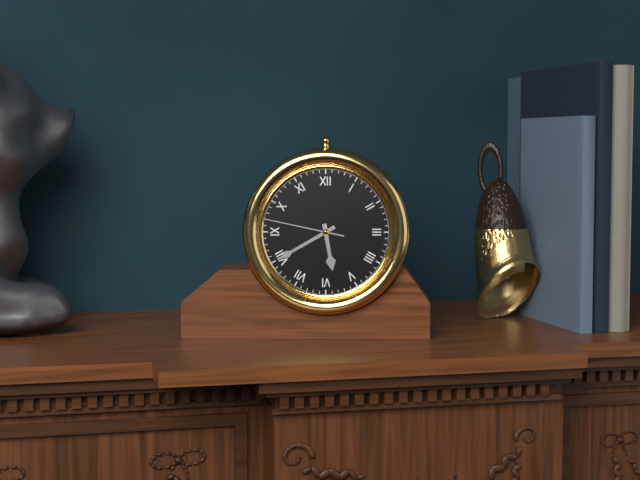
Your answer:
**5:40:47**
